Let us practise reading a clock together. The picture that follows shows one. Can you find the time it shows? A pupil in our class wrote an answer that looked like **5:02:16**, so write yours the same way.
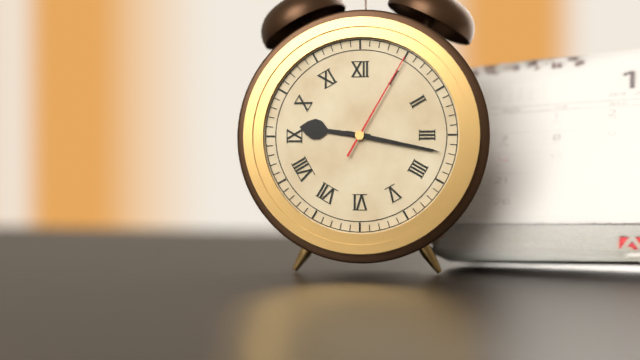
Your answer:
**9:17:05**
